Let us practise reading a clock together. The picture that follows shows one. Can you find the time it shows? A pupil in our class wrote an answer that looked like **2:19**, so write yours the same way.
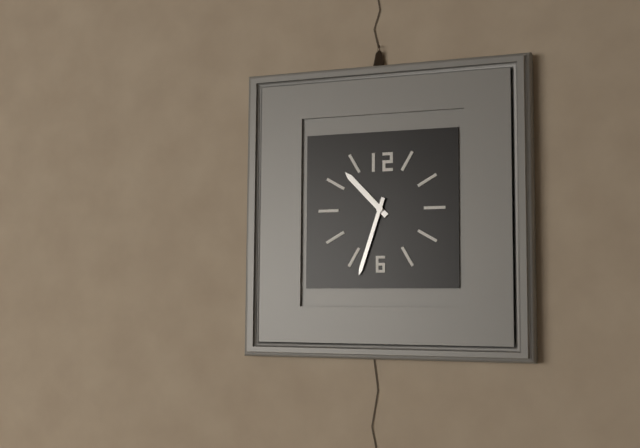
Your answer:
**10:33**
